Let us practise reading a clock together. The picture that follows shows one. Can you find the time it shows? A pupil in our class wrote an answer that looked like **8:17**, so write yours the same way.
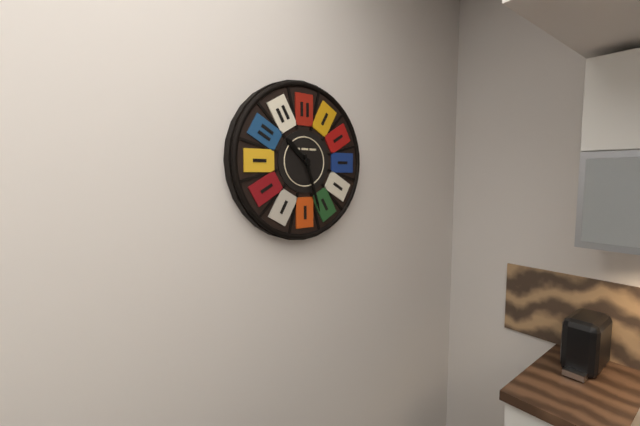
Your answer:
**10:27**
